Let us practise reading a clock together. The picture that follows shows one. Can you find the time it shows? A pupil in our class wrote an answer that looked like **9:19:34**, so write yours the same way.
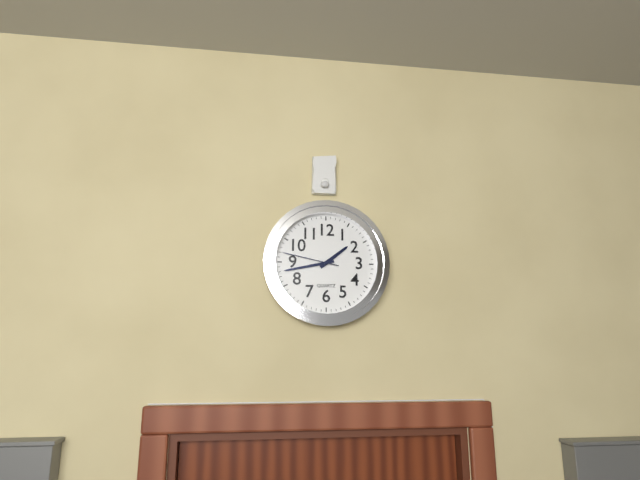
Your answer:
**1:43:47**
